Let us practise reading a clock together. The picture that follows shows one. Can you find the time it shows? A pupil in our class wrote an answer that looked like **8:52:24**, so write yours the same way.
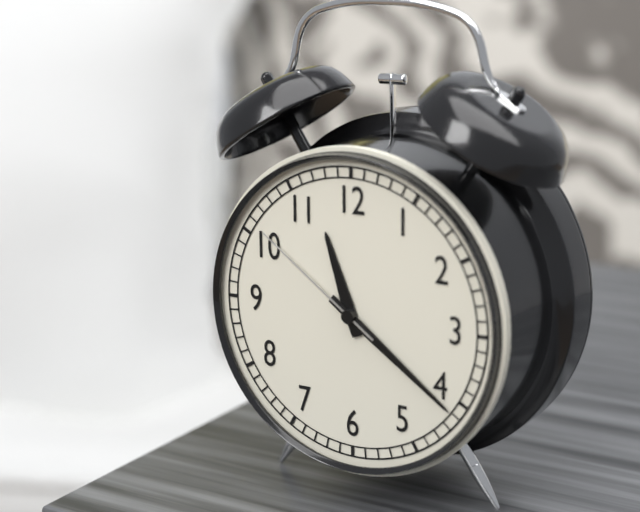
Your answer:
**11:21:51**
